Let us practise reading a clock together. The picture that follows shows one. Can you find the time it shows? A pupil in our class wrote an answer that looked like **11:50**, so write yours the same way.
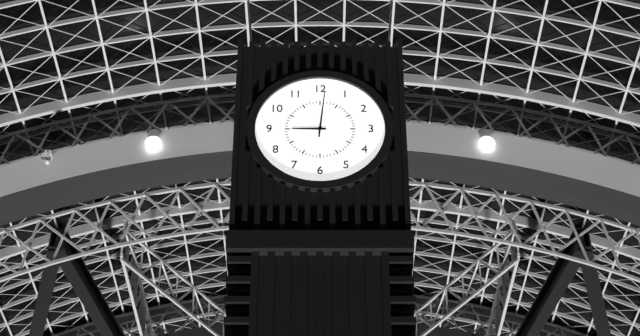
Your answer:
**9:01**
